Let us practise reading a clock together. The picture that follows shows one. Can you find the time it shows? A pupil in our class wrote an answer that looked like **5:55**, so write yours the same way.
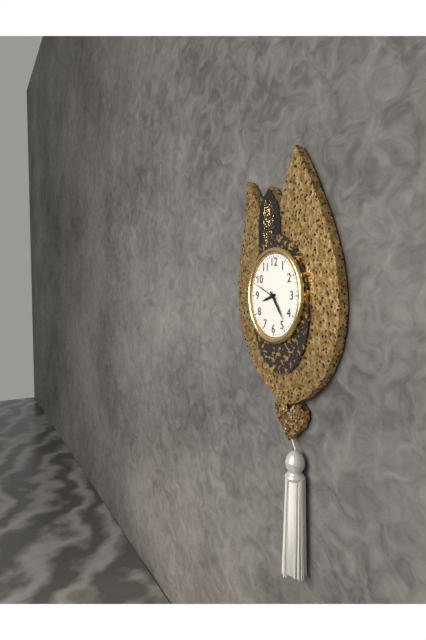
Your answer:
**8:24**
